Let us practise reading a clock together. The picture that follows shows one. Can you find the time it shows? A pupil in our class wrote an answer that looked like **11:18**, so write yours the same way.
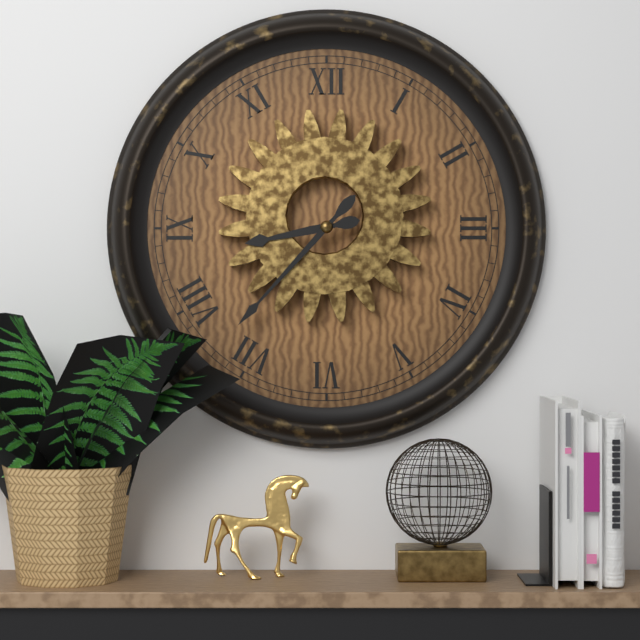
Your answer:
**8:37**
